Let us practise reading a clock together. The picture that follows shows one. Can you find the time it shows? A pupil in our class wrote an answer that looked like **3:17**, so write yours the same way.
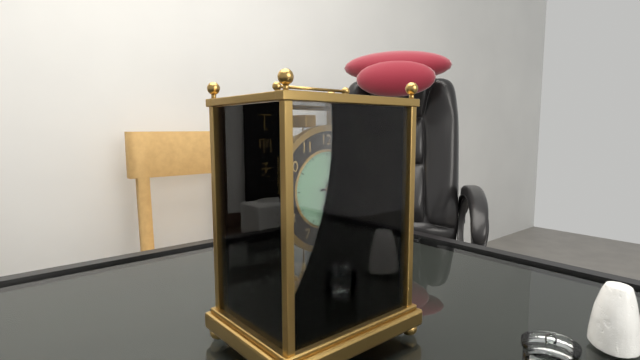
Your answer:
**6:15**
